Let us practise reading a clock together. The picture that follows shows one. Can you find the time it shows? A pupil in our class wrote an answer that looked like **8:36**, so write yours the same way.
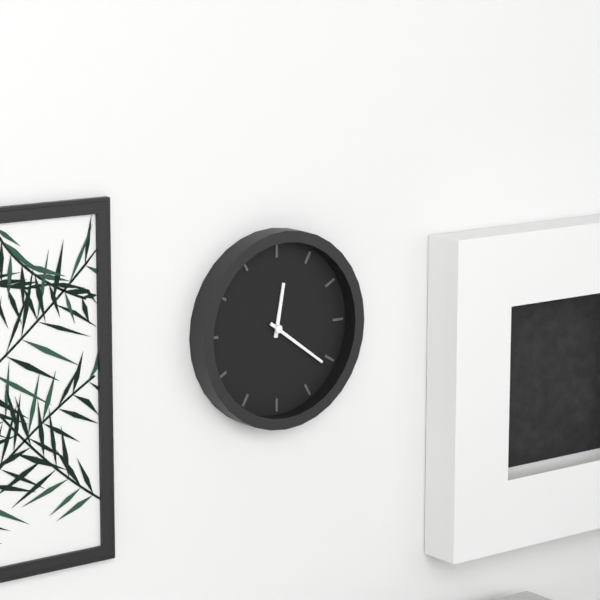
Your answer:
**12:21**
